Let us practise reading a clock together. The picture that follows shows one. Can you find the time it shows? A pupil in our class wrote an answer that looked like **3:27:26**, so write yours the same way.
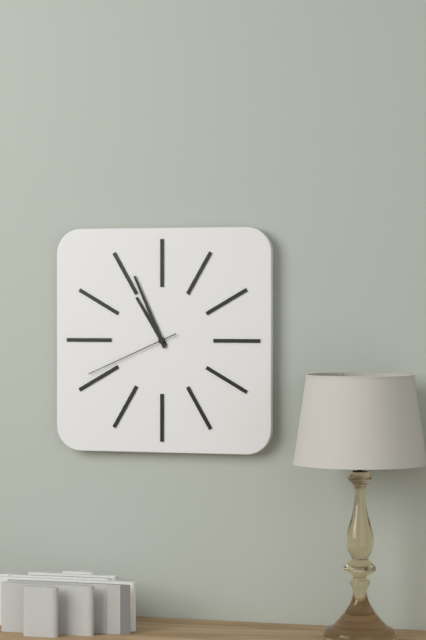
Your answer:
**10:56:41**
